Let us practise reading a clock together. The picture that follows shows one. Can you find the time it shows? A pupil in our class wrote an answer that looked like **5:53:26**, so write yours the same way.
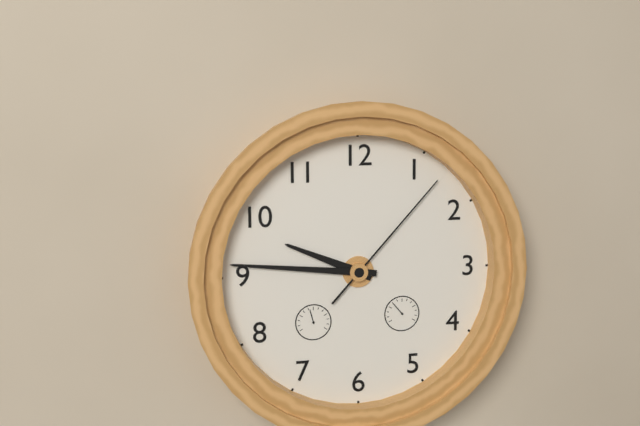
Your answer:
**9:46:07**
